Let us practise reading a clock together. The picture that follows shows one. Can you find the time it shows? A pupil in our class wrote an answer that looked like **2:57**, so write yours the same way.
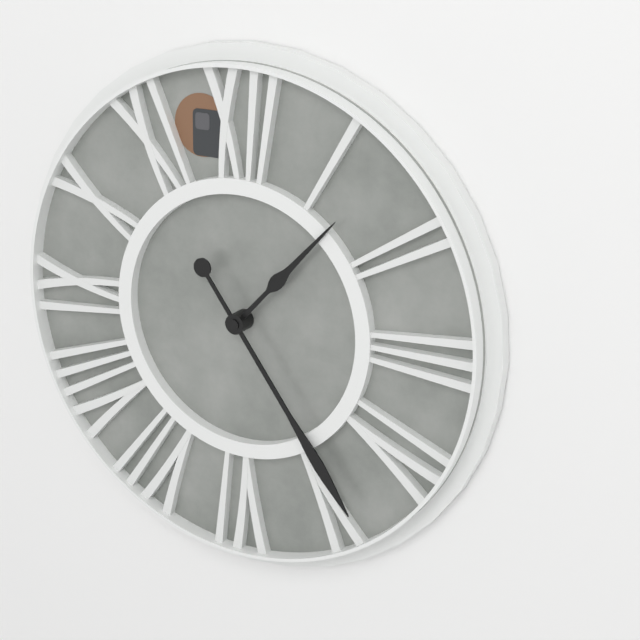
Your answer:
**1:24**
